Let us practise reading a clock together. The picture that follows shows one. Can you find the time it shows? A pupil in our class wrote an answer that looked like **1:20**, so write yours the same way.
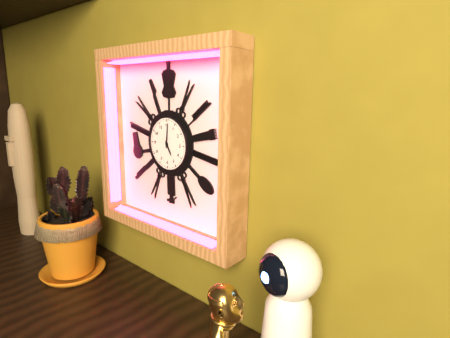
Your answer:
**5:01**
